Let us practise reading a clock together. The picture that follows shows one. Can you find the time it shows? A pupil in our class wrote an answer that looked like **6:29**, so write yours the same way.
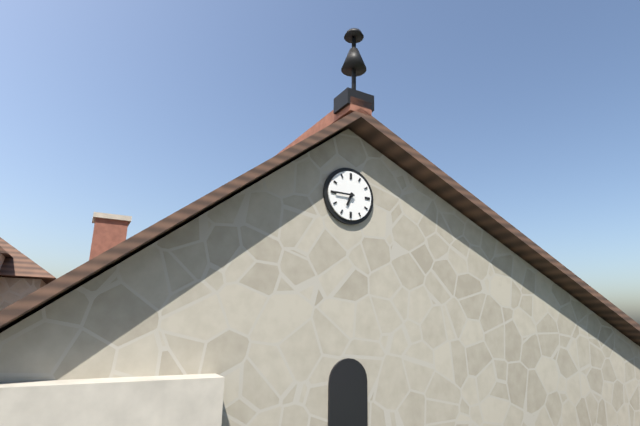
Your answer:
**6:45**
